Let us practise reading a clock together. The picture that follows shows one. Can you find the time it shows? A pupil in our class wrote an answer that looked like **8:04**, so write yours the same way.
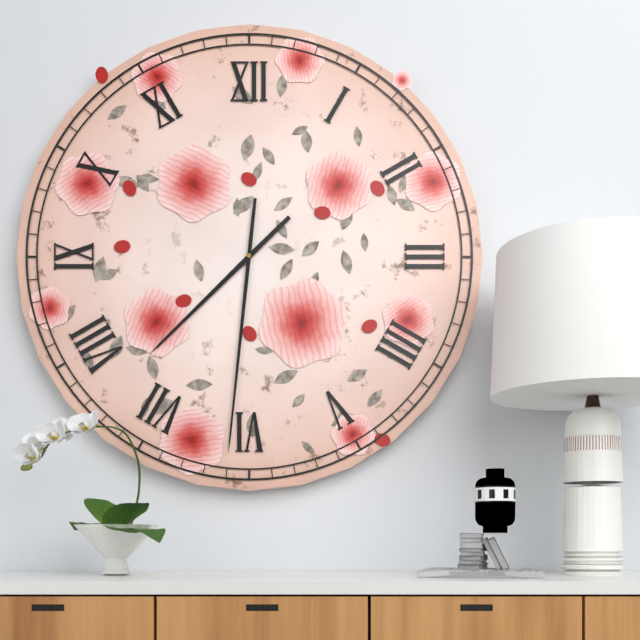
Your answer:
**7:31**
